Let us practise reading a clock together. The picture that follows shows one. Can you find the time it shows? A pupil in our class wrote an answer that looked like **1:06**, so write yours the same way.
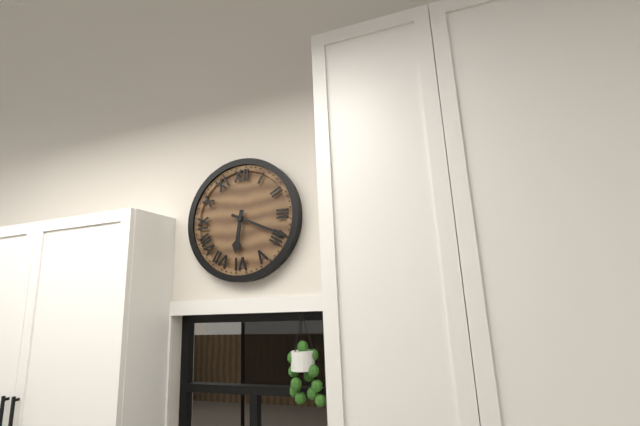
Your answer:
**6:19**
